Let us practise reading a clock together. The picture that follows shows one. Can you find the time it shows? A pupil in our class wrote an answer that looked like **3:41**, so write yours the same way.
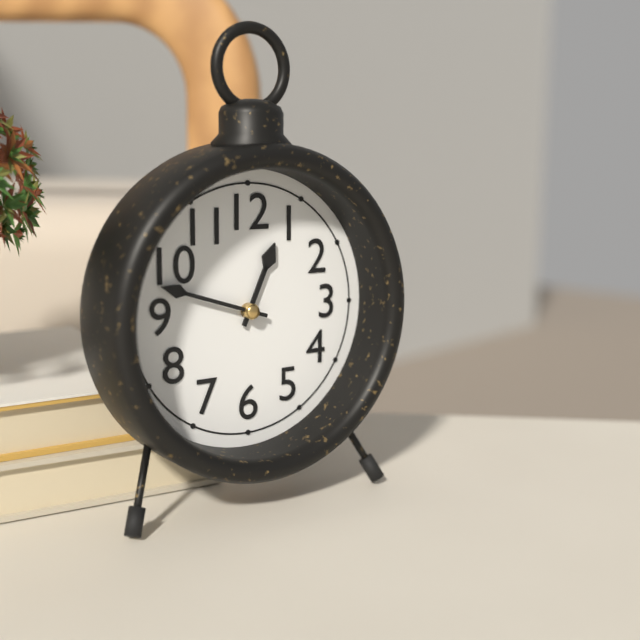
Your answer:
**12:48**
